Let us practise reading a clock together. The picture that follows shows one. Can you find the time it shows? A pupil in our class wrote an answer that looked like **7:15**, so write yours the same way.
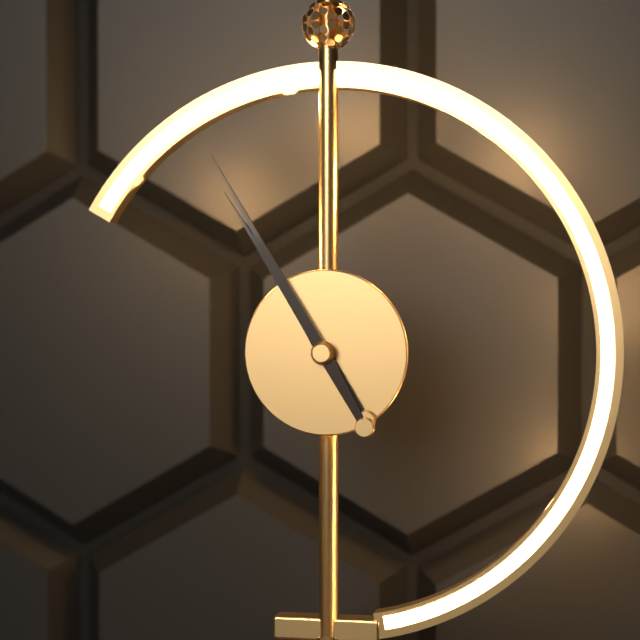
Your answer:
**10:55**
